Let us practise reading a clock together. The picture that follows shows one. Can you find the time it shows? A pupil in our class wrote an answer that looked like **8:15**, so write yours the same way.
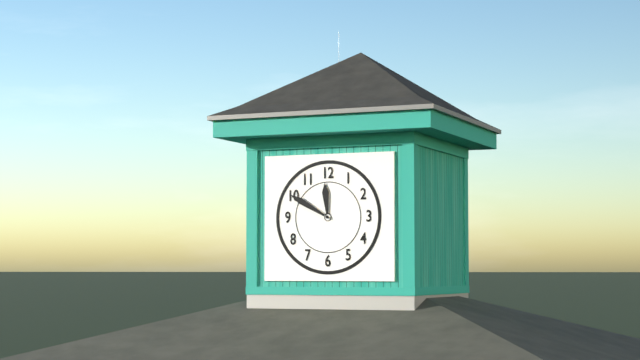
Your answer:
**11:50**
